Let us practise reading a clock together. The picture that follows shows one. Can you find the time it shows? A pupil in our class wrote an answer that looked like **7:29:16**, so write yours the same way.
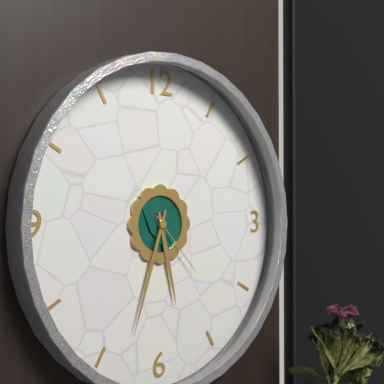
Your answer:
**5:33:23**
